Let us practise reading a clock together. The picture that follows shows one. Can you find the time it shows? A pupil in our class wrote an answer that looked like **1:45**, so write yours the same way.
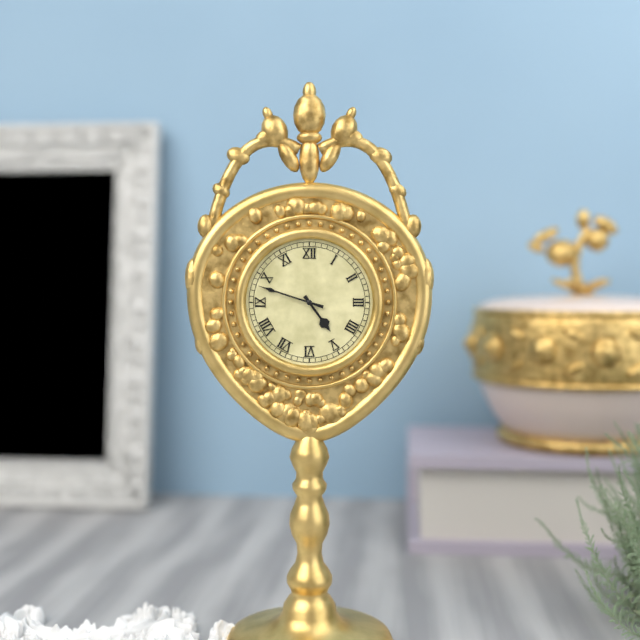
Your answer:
**4:48**
